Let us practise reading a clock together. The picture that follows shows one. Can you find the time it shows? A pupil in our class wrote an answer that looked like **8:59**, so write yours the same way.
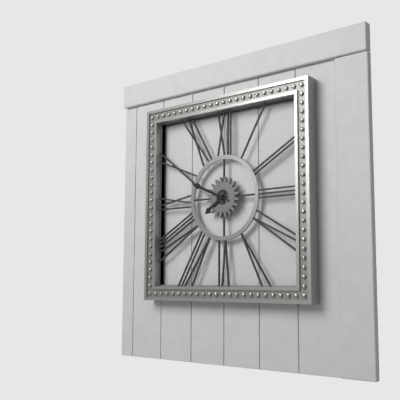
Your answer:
**7:49**
